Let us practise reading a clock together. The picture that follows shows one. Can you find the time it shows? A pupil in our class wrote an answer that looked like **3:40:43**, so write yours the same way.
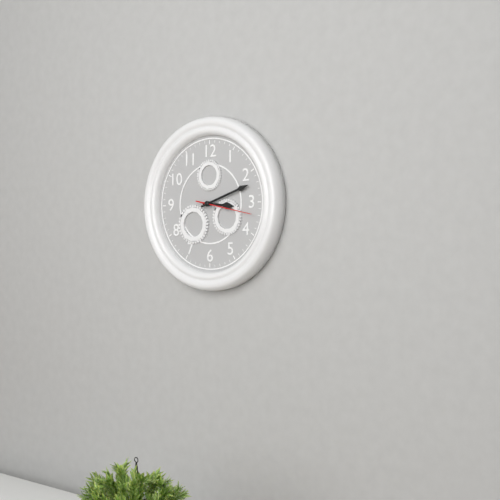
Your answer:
**3:12:17**
